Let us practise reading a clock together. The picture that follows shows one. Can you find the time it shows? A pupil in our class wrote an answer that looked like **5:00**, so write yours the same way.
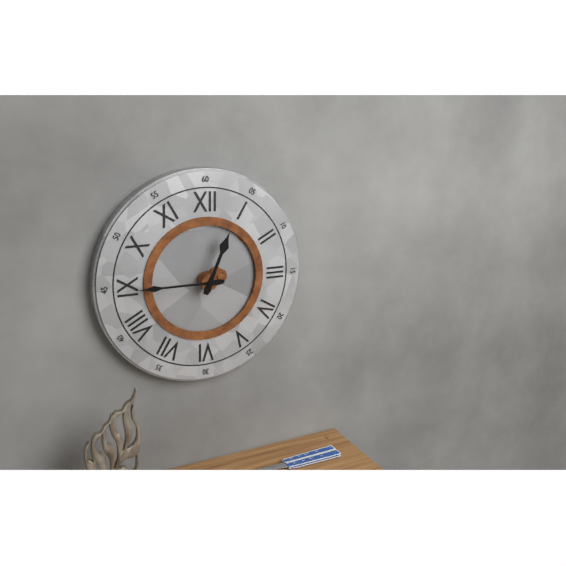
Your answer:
**12:45**
